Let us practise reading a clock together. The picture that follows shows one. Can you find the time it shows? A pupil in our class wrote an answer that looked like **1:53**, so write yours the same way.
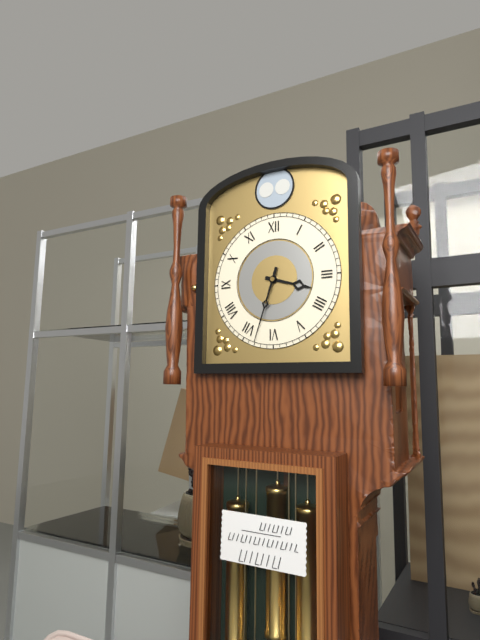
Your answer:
**3:33**
